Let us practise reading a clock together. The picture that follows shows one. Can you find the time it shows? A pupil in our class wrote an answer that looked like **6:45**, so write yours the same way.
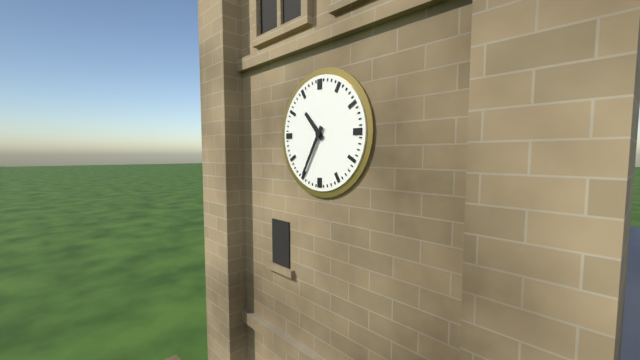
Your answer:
**10:35**
